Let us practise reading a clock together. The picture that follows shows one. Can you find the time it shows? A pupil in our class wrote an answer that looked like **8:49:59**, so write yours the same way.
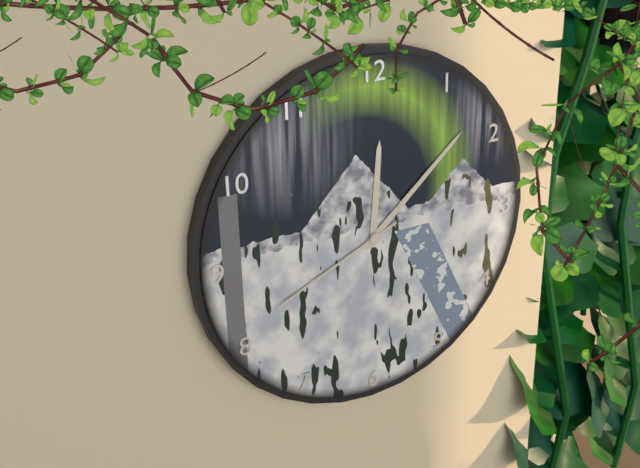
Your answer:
**12:08:41**
